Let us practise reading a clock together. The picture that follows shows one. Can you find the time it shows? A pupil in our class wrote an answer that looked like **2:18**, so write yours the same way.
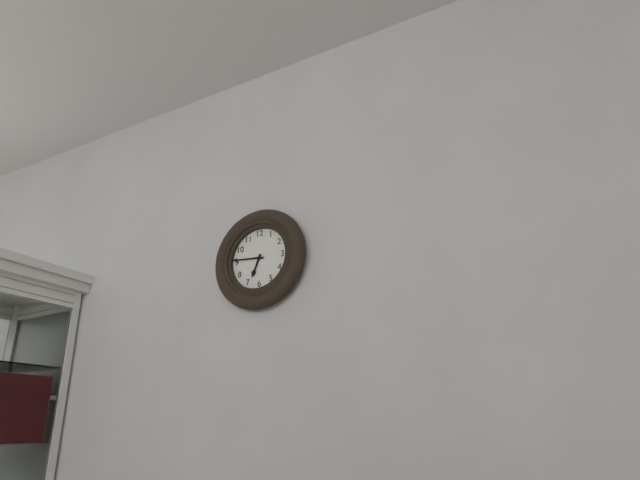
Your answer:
**6:46**
